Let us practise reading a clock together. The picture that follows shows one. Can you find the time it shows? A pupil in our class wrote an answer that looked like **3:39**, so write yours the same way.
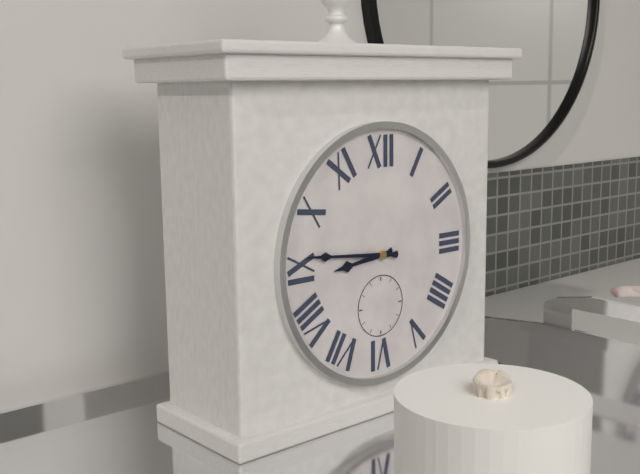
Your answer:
**8:46**
